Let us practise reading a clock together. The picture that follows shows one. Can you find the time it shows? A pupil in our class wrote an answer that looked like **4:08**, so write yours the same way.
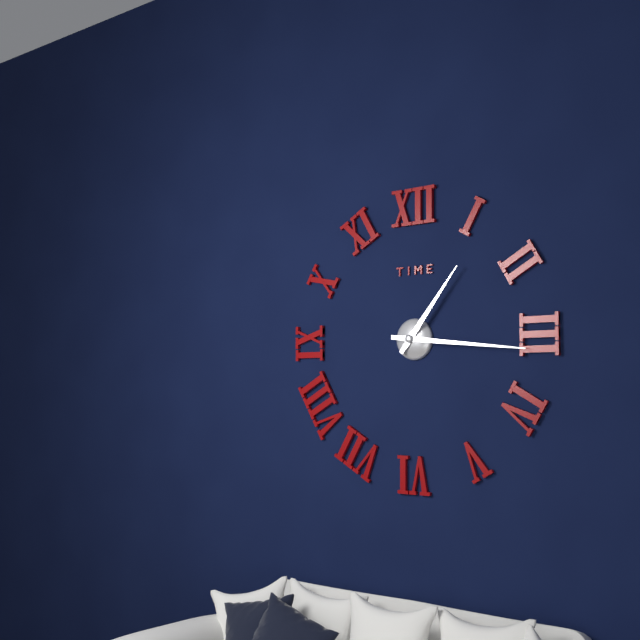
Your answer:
**1:16**
